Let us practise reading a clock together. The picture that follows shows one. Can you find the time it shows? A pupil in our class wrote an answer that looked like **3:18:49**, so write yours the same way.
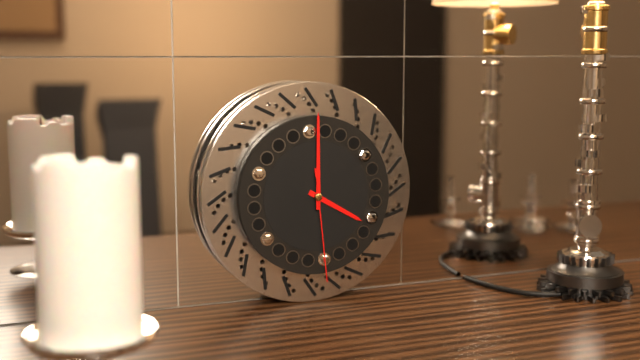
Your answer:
**4:00:29**
